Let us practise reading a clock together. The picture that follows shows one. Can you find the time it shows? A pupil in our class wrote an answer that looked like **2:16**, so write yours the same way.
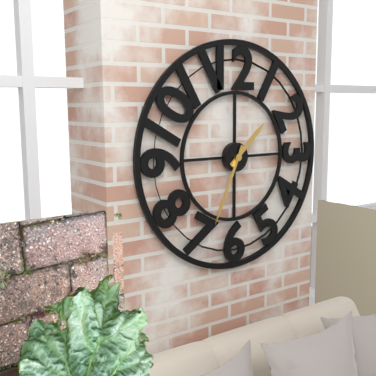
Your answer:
**1:34**
